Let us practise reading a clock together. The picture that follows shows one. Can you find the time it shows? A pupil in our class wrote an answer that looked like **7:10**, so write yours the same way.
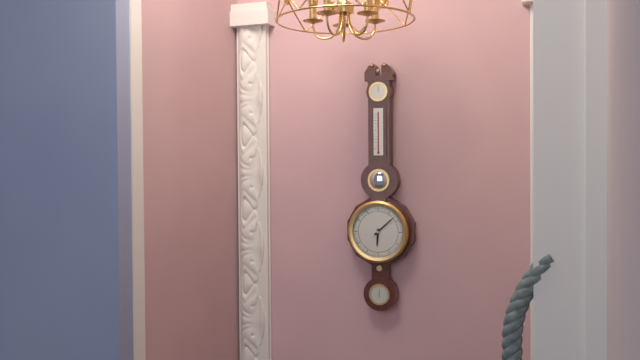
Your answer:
**6:08**
